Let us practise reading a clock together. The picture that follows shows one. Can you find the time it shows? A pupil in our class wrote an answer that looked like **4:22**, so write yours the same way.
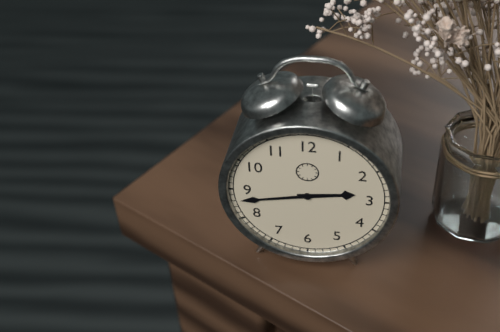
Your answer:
**2:43**
